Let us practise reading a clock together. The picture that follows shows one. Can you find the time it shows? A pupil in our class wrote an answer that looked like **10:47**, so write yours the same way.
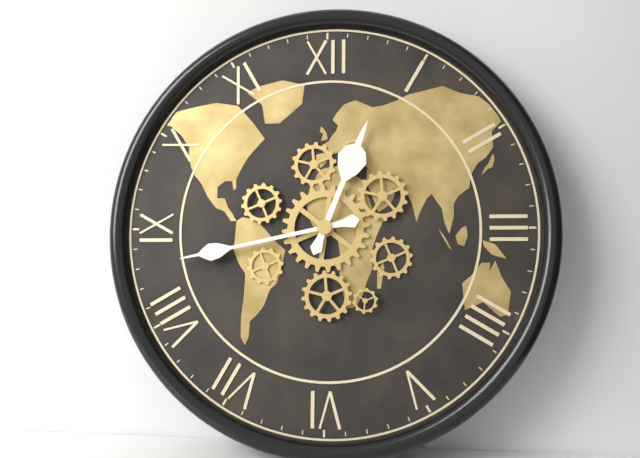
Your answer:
**12:43**
